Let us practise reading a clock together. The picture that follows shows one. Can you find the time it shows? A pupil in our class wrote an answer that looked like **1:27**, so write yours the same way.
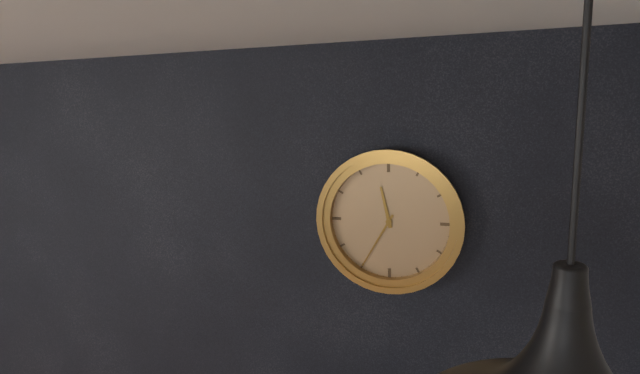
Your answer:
**11:35**
